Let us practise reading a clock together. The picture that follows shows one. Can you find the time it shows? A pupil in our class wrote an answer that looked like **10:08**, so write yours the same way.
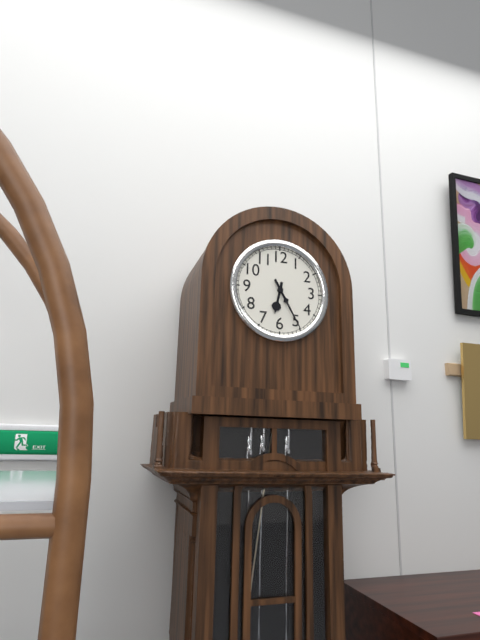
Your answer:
**6:25**
